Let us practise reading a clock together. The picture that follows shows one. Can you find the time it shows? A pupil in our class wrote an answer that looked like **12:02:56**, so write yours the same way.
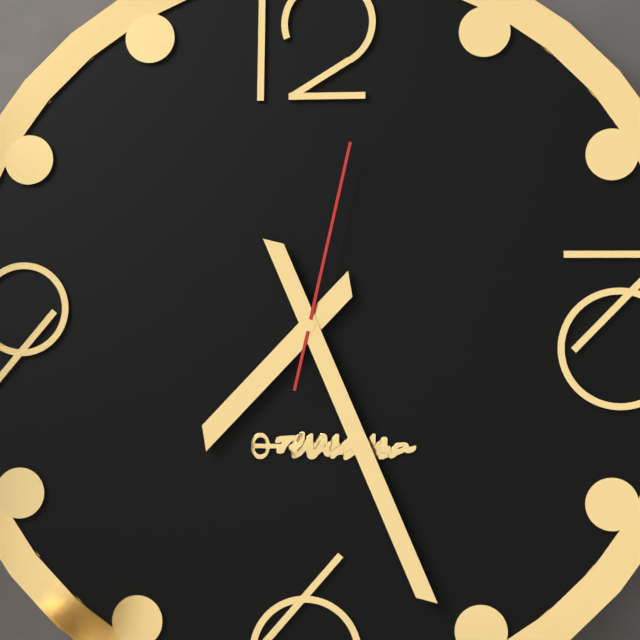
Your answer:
**7:26:02**
